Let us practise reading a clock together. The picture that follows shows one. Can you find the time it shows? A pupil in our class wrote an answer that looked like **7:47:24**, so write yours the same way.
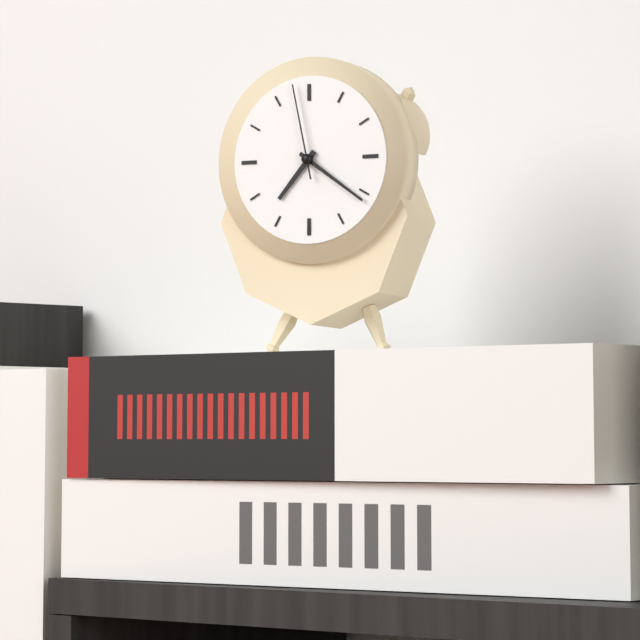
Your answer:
**7:21:58**
